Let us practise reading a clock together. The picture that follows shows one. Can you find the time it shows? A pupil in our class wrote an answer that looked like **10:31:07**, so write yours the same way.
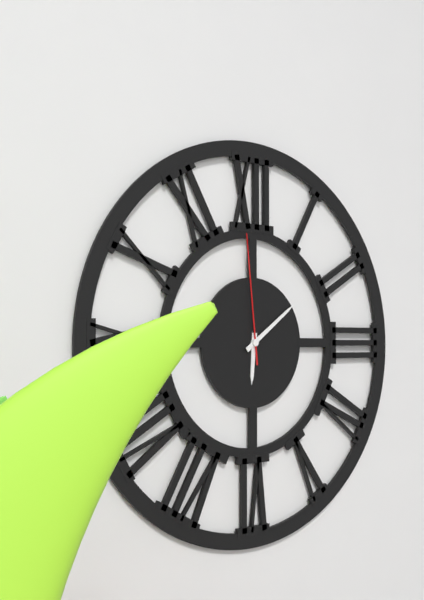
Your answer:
**6:09:59**
